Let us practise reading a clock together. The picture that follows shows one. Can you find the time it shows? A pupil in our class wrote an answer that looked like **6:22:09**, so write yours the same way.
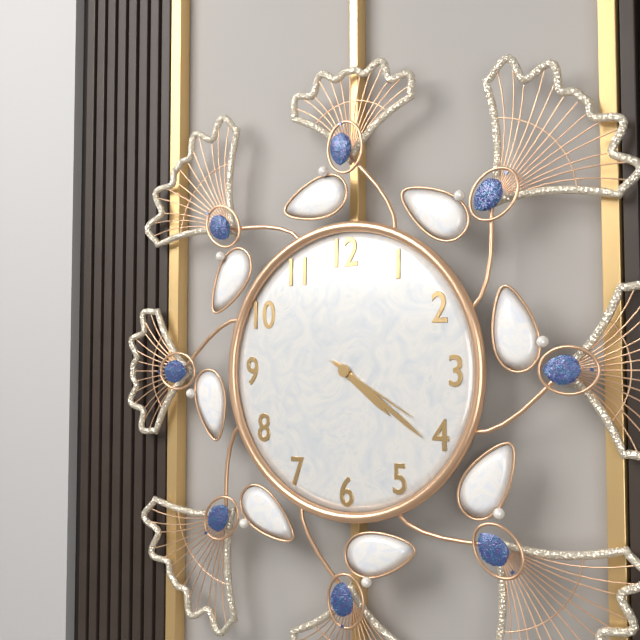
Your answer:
**4:21:20**
